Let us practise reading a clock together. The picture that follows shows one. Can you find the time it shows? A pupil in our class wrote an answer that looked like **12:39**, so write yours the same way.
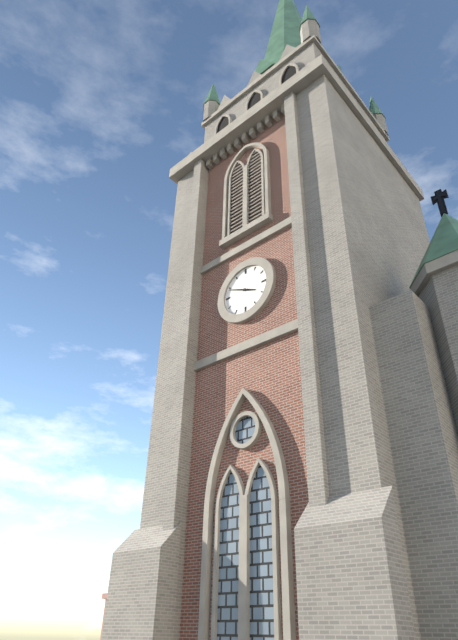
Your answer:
**3:49**
